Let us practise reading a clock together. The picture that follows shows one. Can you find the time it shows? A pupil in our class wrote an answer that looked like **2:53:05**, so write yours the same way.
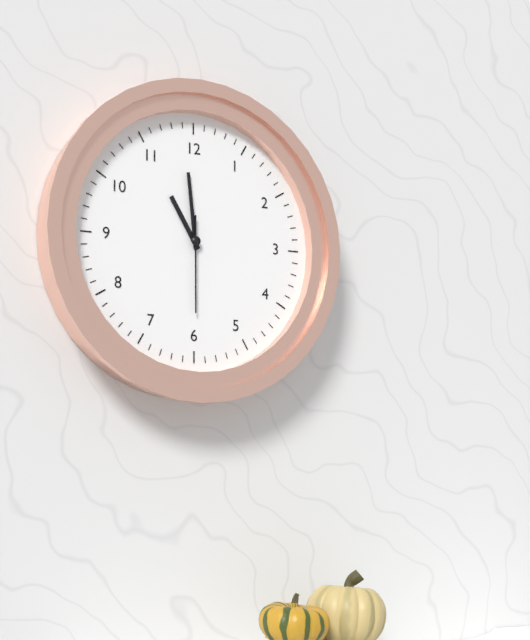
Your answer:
**10:59:30**
